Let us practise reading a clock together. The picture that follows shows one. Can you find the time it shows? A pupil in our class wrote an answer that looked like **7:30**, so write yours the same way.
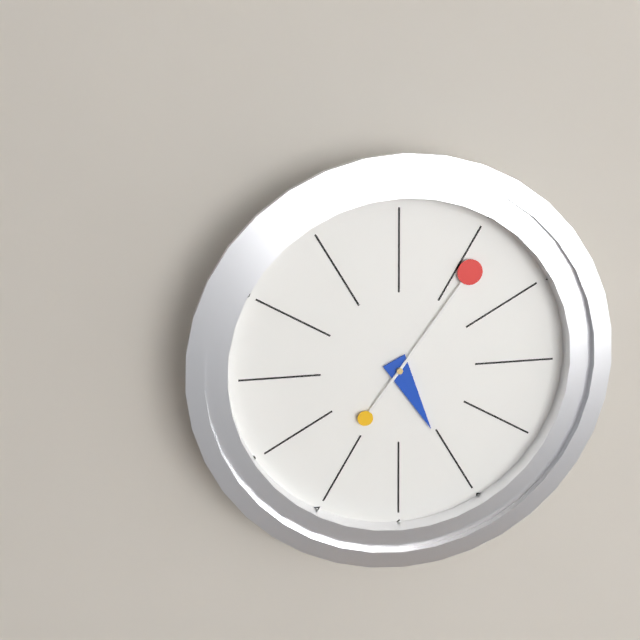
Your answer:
**5:06**
